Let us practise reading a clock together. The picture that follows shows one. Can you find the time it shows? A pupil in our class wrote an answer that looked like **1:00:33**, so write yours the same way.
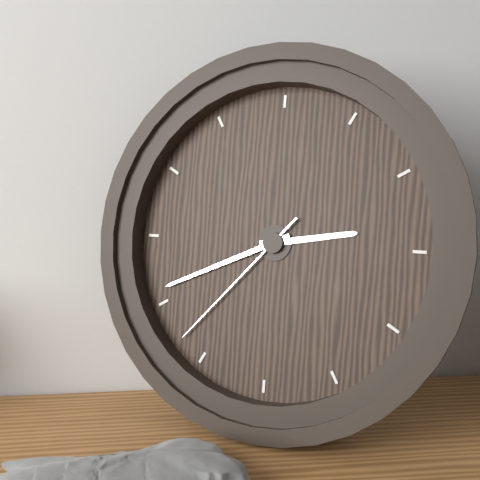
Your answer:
**2:41:37**
